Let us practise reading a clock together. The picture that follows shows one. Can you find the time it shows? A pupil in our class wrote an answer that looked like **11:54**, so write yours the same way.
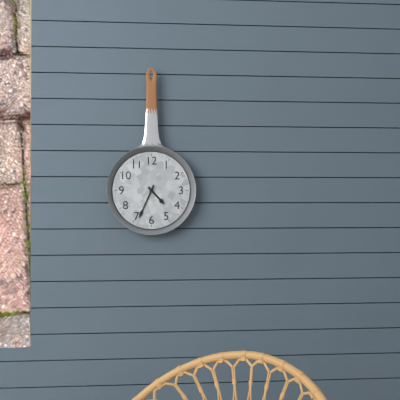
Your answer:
**4:34**
